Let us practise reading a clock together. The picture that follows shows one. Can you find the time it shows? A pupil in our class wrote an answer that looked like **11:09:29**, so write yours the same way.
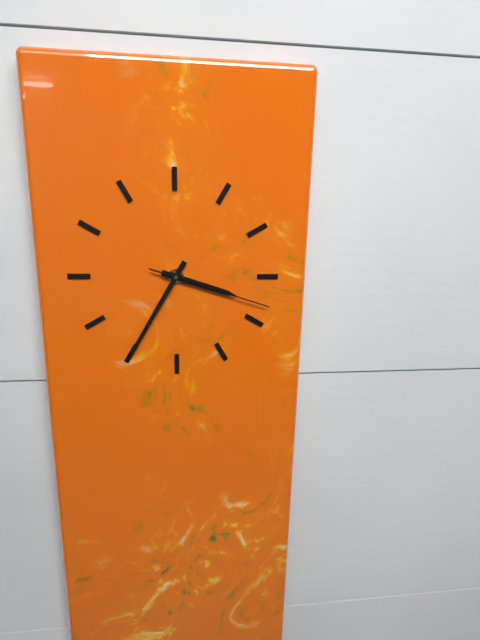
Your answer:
**3:35:18**
